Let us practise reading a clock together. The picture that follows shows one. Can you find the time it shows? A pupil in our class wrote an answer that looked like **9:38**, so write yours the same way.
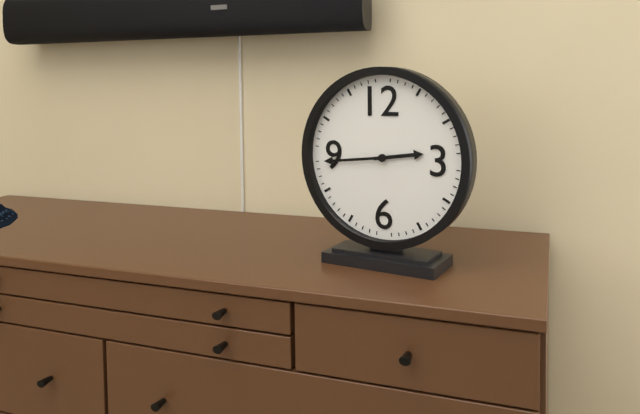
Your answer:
**2:44**
